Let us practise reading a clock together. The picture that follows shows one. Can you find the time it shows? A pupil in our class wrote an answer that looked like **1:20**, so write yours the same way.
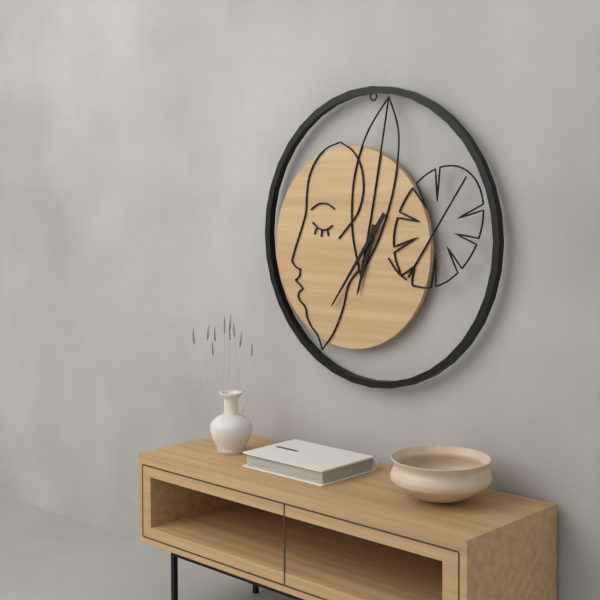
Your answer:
**6:36**
